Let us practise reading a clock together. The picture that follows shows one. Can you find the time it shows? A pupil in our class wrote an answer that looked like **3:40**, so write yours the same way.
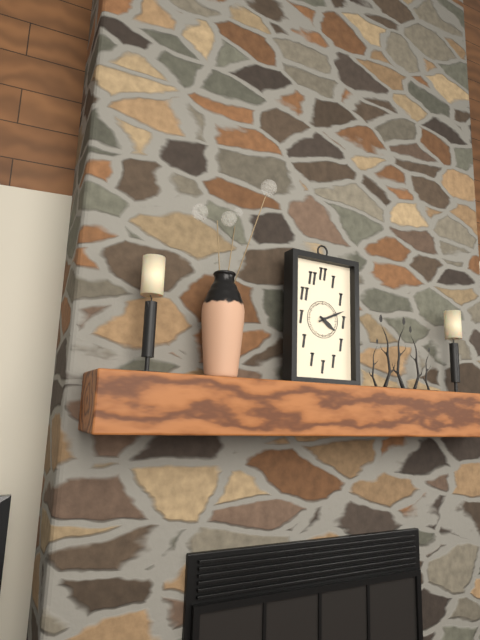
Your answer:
**4:11**
